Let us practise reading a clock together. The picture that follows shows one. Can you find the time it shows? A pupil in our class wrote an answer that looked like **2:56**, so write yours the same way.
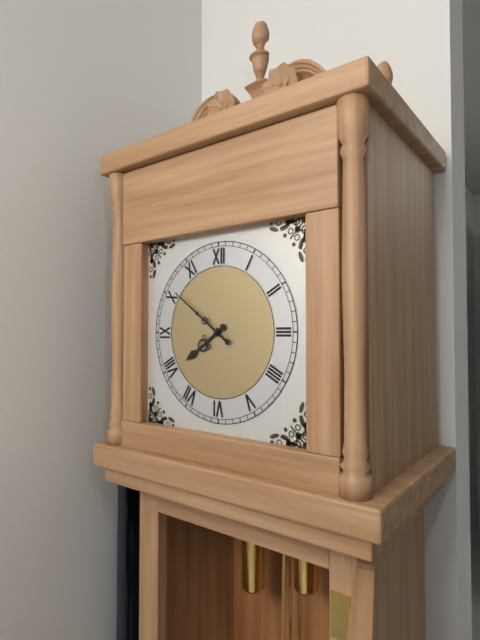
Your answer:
**7:51**
